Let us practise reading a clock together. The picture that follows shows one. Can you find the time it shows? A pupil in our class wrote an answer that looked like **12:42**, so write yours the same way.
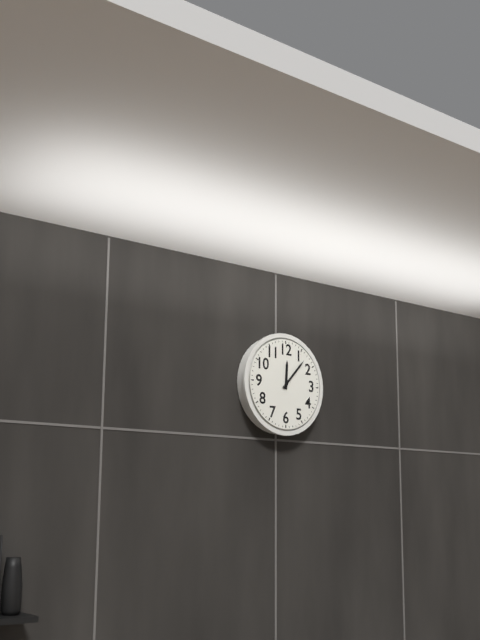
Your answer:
**12:07**
